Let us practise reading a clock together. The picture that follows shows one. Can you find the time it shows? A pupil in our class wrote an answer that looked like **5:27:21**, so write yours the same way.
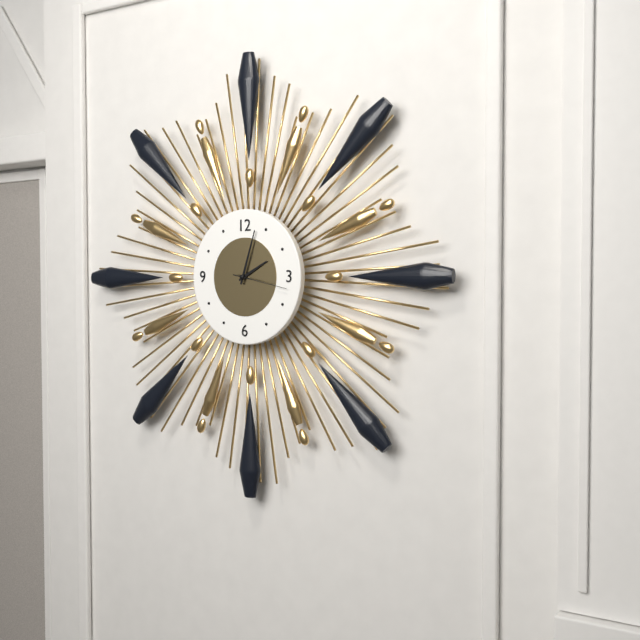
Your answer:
**2:03:17**
